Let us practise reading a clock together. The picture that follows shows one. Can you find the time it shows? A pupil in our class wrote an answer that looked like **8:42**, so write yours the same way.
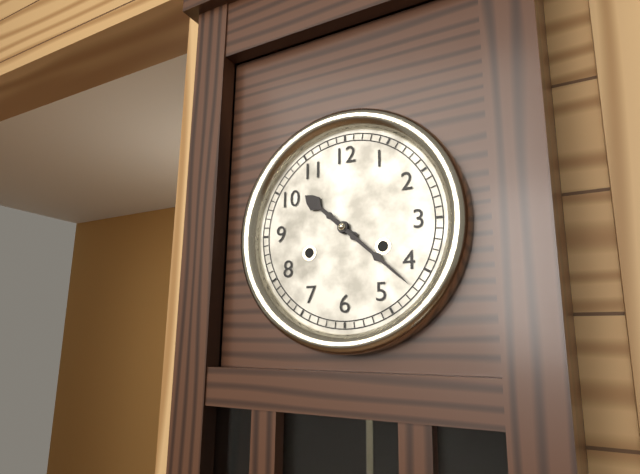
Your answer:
**10:22**
